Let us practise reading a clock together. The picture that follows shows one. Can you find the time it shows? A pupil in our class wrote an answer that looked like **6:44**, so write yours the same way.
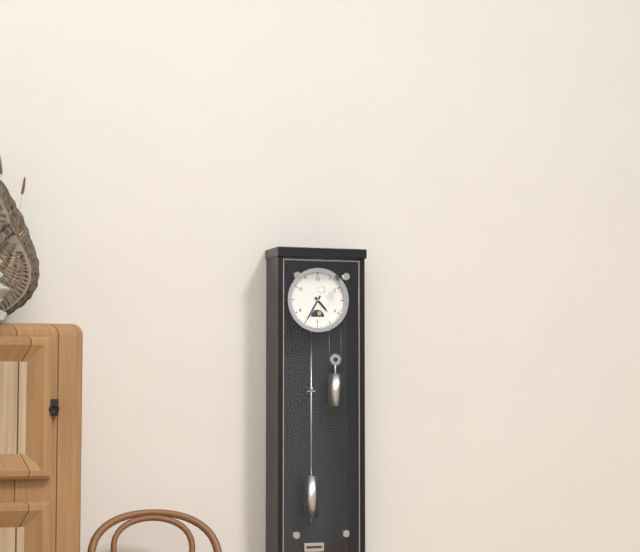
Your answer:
**4:35**
